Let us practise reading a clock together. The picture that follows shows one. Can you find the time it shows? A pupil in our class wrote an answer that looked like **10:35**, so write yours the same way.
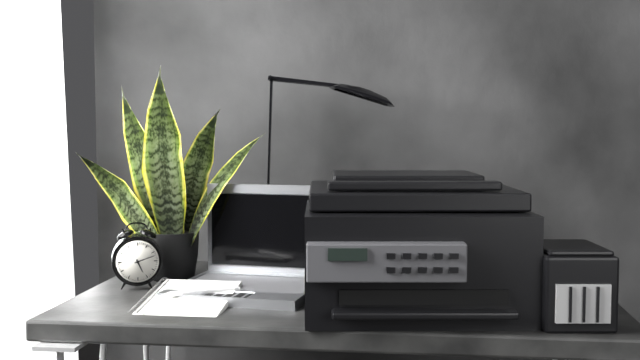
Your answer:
**5:12**
